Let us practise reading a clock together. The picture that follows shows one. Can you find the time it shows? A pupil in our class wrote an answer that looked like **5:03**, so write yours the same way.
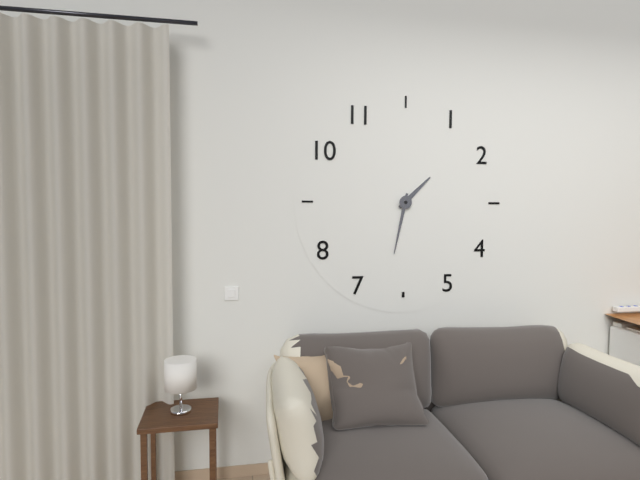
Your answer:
**1:32**
